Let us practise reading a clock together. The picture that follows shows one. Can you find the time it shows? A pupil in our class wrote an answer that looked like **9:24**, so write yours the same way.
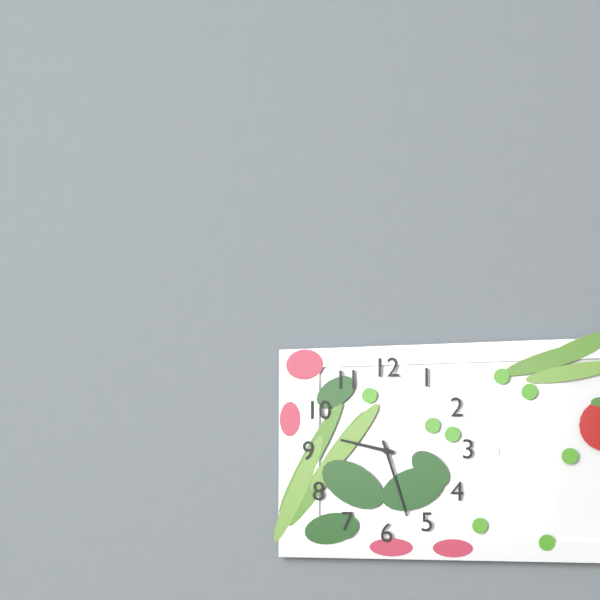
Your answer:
**9:27**
